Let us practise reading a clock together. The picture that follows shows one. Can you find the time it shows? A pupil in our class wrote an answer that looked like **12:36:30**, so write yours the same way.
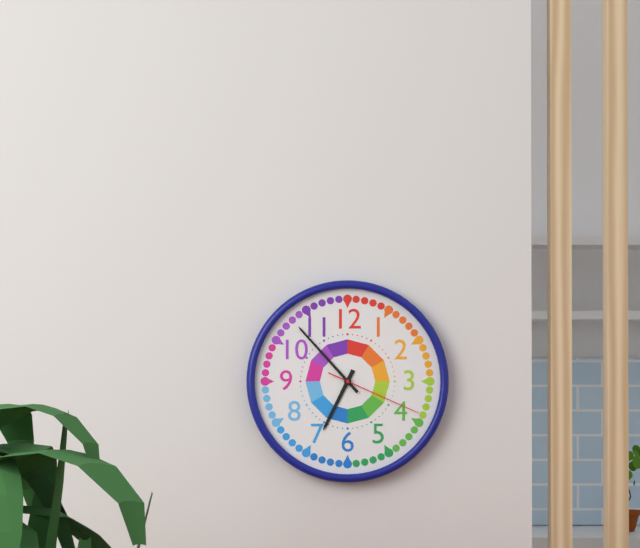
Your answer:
**6:53:19**
